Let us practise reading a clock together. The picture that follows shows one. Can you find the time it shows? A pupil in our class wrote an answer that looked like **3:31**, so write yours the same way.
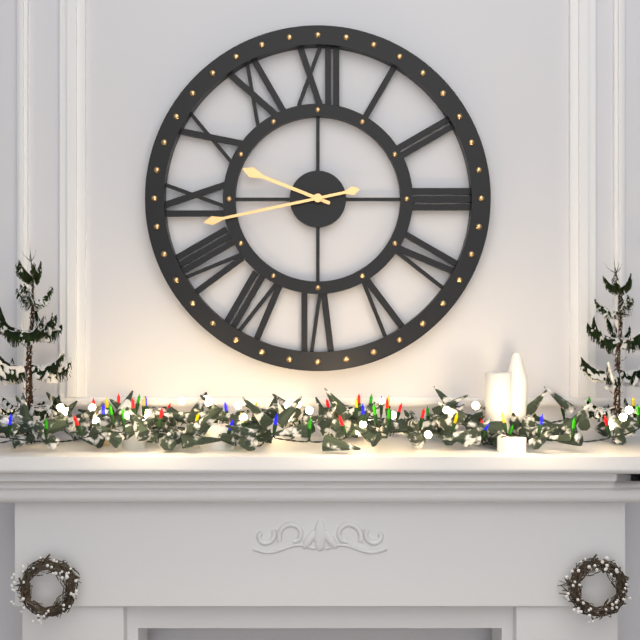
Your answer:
**9:43**
